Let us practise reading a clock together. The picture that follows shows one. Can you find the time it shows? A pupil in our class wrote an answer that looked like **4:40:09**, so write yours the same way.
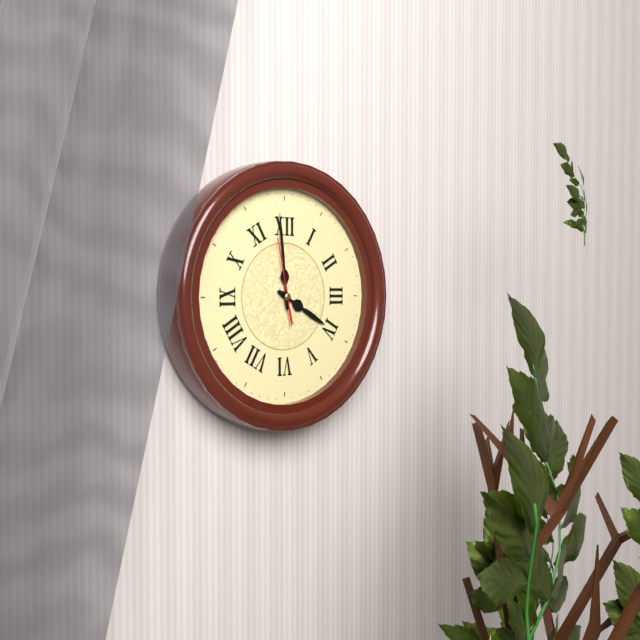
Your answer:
**3:59:58**
